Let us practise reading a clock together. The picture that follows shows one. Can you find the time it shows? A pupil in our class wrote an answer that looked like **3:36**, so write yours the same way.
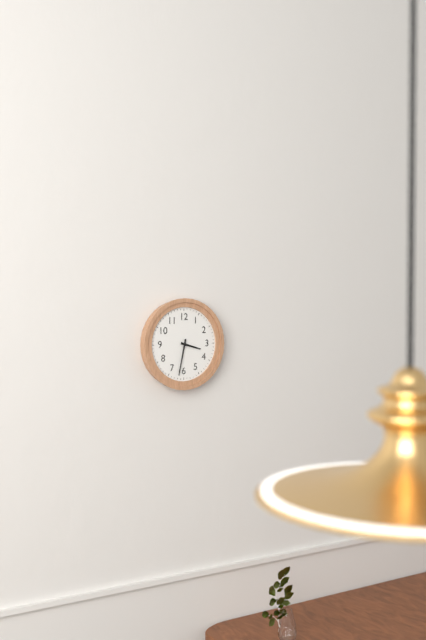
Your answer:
**3:32**
